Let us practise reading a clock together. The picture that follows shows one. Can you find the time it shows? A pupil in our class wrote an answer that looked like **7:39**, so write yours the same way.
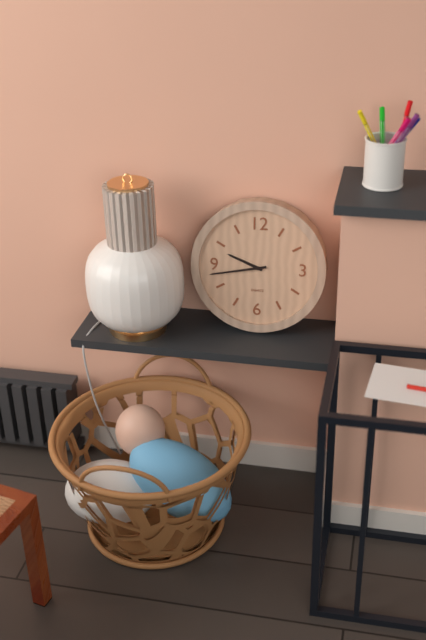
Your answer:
**9:43**
